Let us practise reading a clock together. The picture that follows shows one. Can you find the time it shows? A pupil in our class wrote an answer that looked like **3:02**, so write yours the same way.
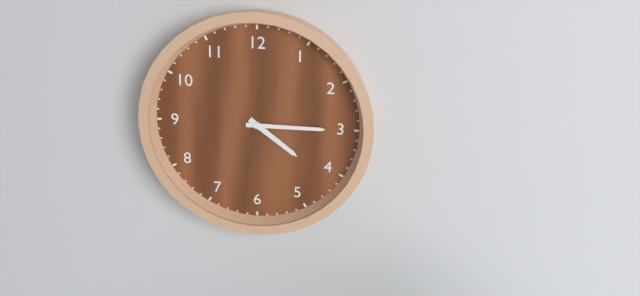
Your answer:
**4:15**
